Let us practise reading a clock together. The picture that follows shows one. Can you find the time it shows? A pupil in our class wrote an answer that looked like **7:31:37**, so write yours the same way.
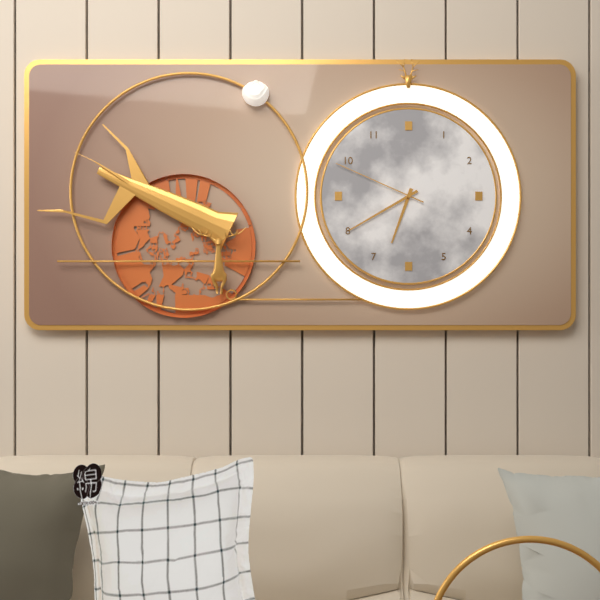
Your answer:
**6:40:49**
